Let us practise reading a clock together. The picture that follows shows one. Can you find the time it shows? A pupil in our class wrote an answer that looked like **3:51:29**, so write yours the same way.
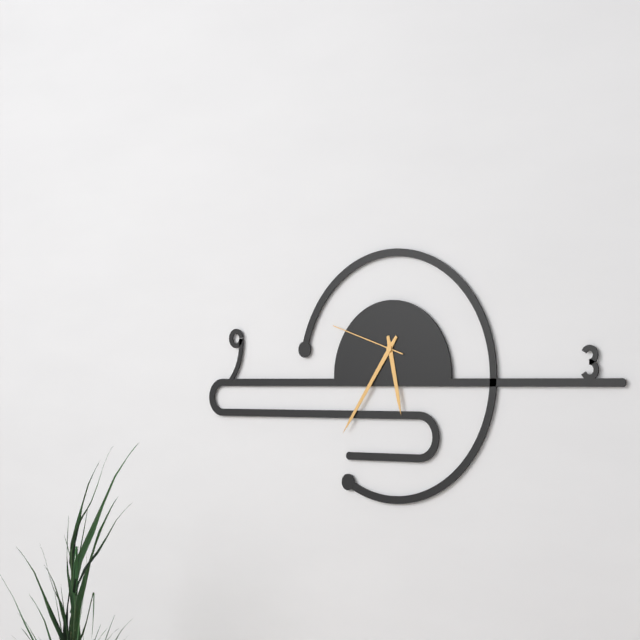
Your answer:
**5:36:48**
